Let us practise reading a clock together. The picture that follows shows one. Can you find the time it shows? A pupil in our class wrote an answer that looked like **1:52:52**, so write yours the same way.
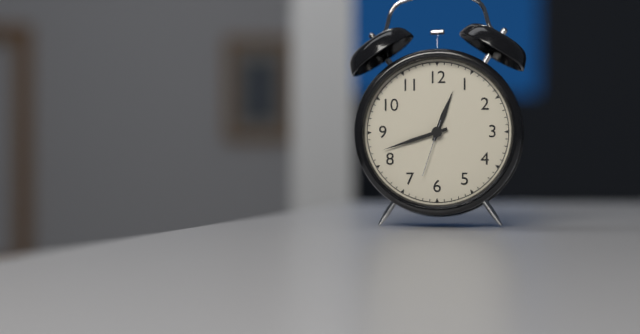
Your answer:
**12:42:33**
